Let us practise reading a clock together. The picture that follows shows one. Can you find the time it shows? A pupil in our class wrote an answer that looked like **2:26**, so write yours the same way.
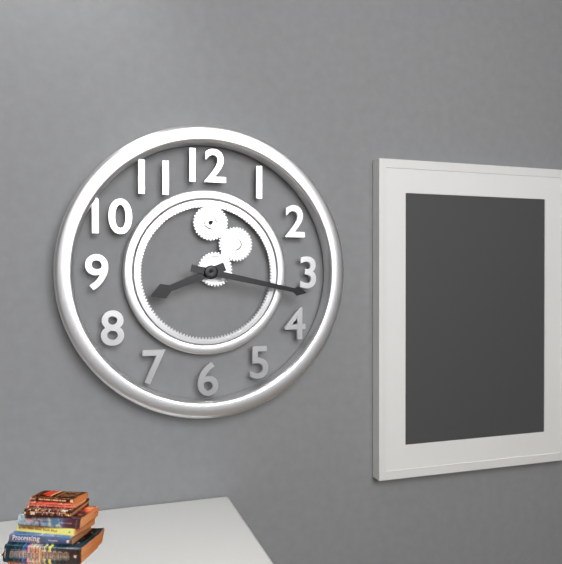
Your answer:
**8:17**
